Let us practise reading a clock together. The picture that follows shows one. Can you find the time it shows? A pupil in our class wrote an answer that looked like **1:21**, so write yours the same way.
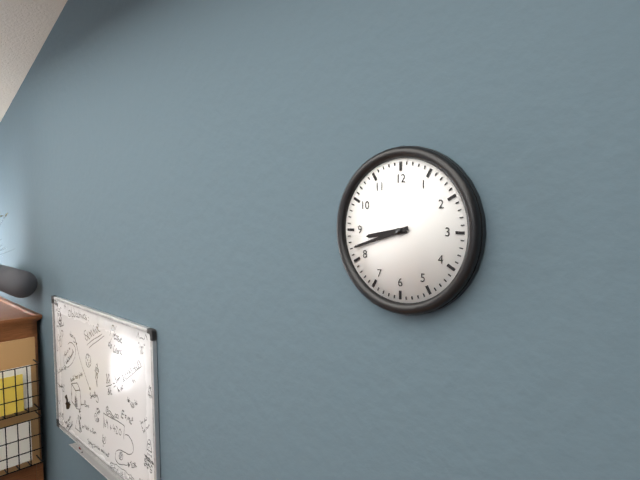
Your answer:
**8:42**
